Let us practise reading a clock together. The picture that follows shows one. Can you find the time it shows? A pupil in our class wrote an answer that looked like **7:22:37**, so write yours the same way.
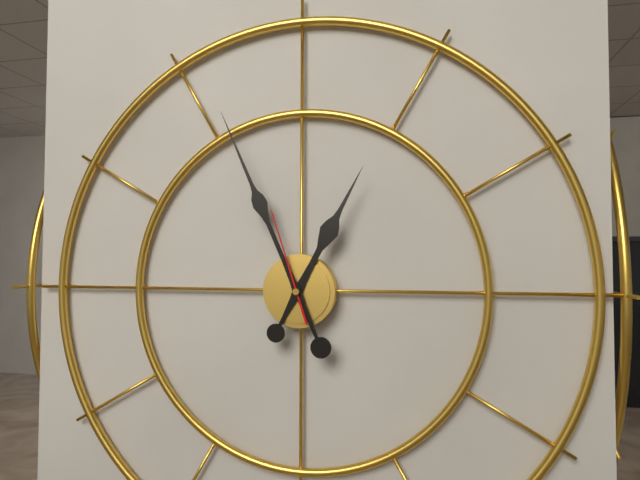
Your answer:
**12:56:57**
